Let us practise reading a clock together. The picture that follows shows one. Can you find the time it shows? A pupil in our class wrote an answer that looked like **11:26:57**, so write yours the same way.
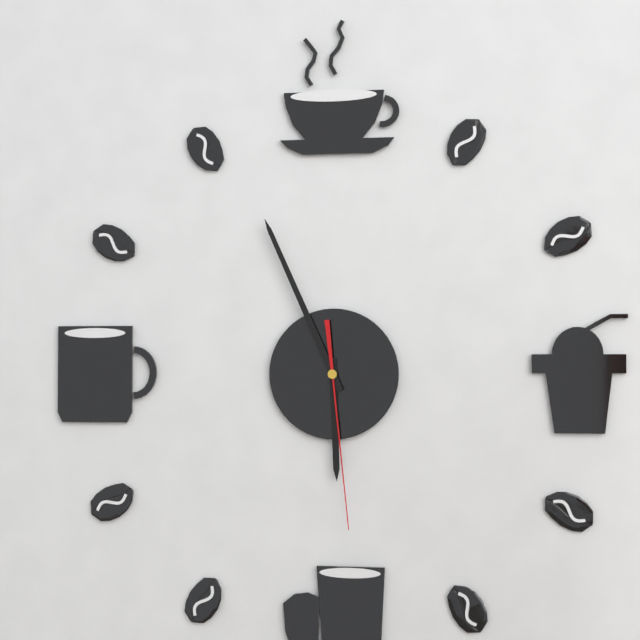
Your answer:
**5:56:29**
